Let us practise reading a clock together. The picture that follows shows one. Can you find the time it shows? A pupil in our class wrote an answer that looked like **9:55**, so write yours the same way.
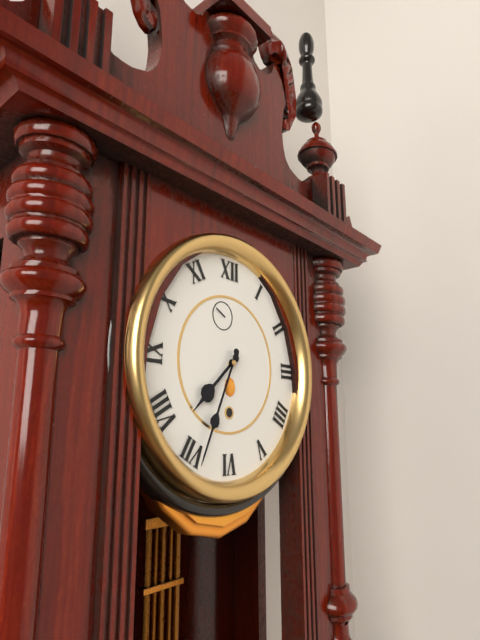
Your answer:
**7:34**
